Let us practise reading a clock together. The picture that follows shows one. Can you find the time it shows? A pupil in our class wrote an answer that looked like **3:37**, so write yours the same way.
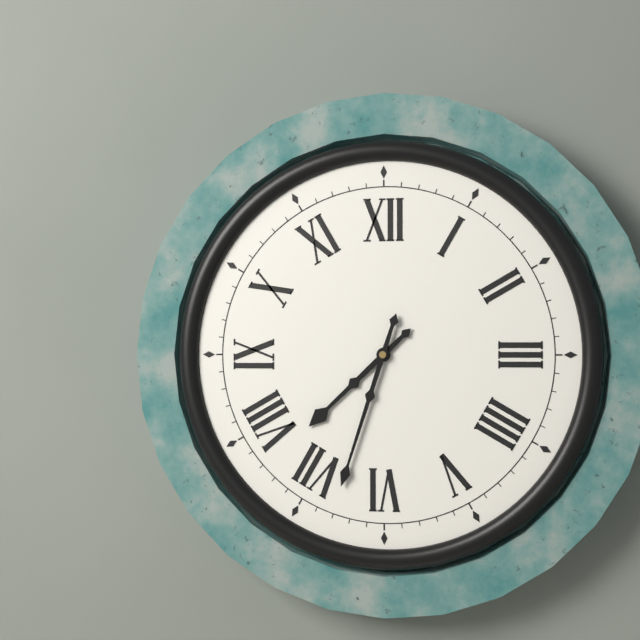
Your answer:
**7:33**
